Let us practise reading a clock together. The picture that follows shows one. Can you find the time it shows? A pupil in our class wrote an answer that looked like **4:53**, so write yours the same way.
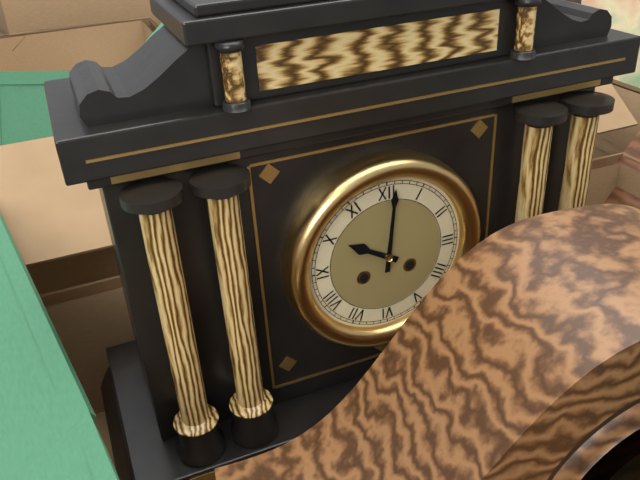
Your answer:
**10:01**
